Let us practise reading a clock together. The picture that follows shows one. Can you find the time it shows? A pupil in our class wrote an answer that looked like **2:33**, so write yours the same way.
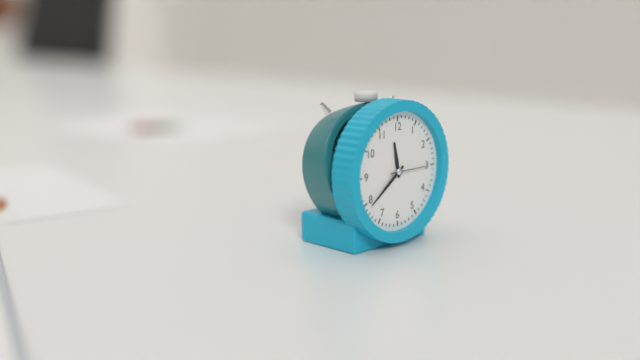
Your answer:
**11:39**
